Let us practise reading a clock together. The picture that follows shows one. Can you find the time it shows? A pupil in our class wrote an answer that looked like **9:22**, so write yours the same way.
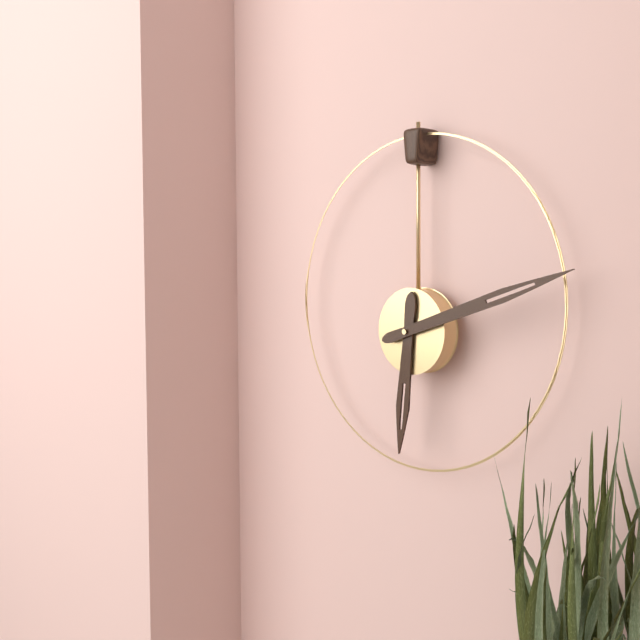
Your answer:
**6:12**
